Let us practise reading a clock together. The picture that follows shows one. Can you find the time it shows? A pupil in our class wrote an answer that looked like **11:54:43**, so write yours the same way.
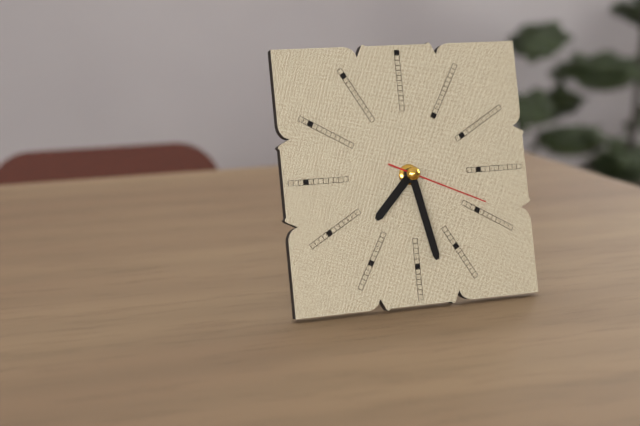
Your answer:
**7:28:19**
